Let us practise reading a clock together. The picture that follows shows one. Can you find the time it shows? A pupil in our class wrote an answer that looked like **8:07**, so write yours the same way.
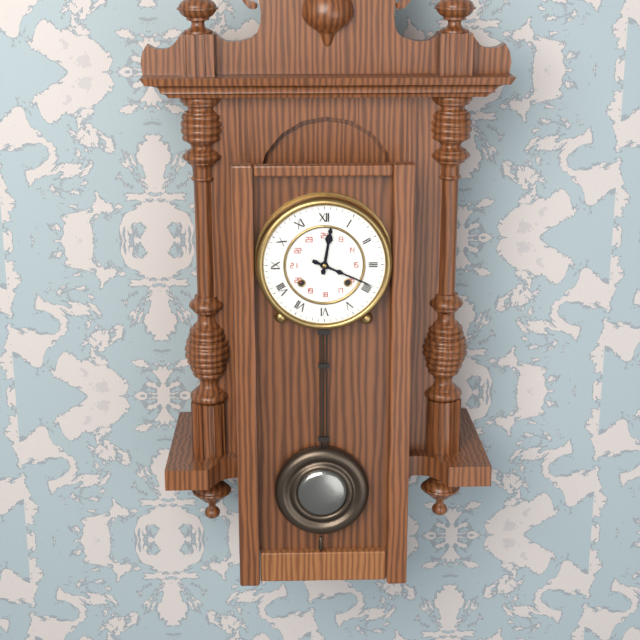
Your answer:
**12:19**
